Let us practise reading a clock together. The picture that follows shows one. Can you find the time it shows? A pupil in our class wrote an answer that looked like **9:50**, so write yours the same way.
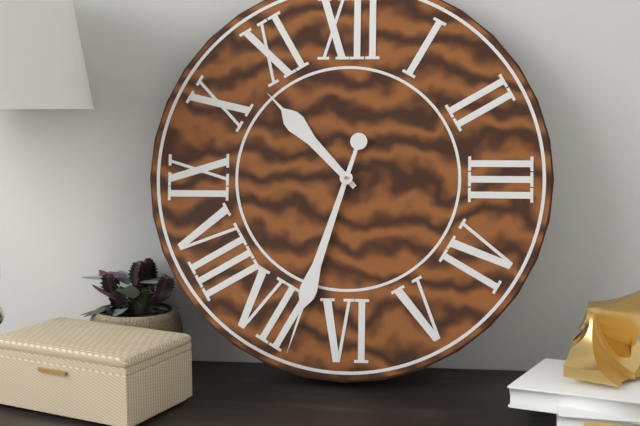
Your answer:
**10:33**
